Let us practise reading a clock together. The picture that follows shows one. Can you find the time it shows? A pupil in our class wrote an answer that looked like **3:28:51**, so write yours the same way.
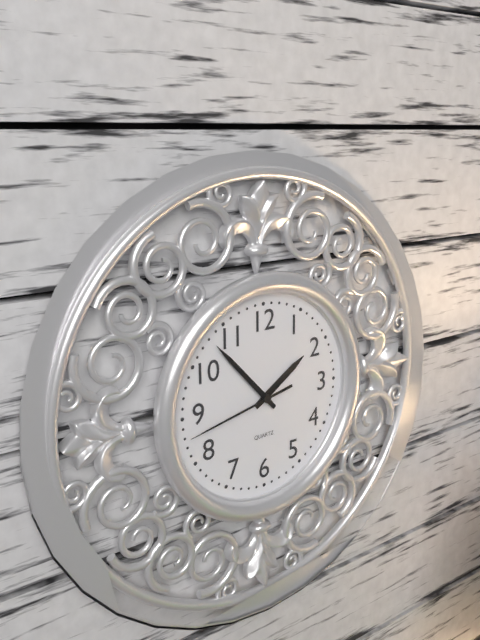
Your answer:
**1:53:43**
